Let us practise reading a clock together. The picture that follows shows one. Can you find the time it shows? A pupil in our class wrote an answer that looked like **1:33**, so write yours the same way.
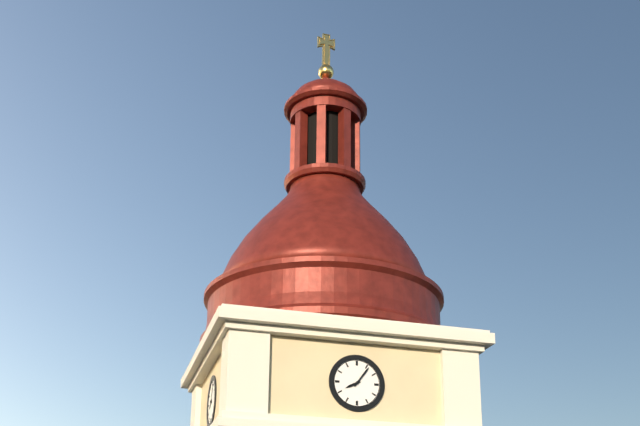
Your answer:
**8:06**
